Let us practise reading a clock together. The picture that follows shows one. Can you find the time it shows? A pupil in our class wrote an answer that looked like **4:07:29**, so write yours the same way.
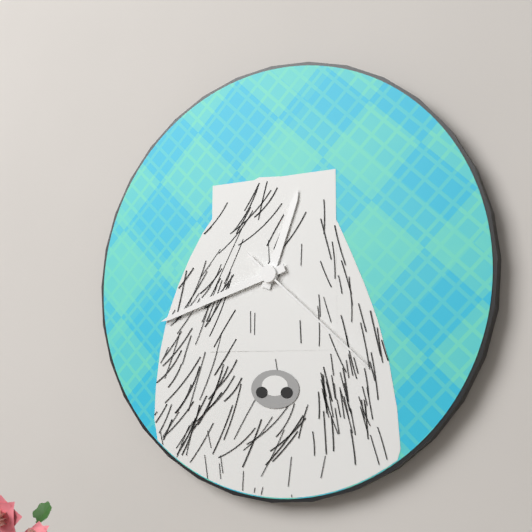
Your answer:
**12:42:22**
